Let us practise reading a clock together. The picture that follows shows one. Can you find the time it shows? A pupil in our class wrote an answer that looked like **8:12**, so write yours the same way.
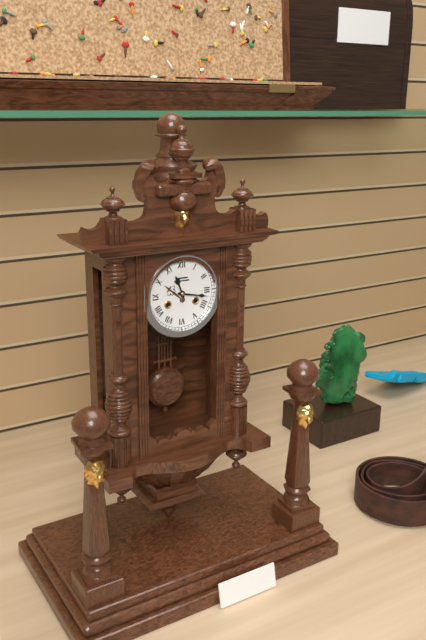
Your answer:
**11:17**
